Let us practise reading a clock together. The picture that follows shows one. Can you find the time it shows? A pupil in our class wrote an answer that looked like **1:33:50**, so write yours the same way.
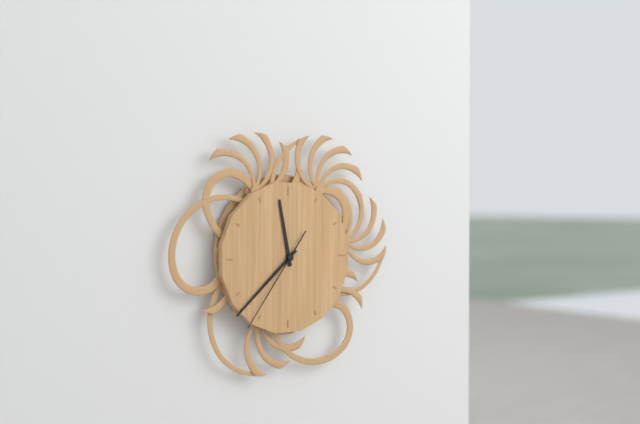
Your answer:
**11:38:36**
